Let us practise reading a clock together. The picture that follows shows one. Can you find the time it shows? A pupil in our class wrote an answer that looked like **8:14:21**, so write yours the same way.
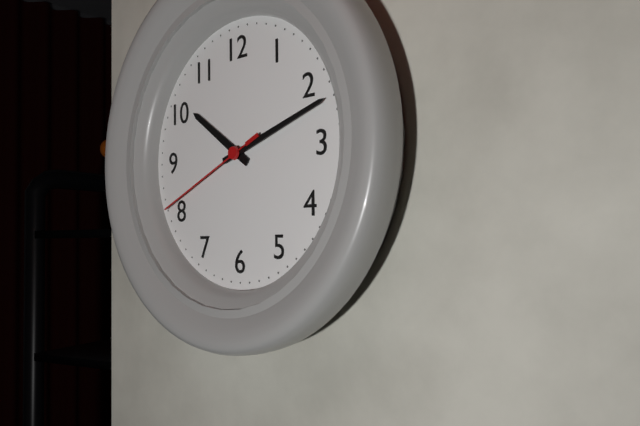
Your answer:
**10:12:41**
